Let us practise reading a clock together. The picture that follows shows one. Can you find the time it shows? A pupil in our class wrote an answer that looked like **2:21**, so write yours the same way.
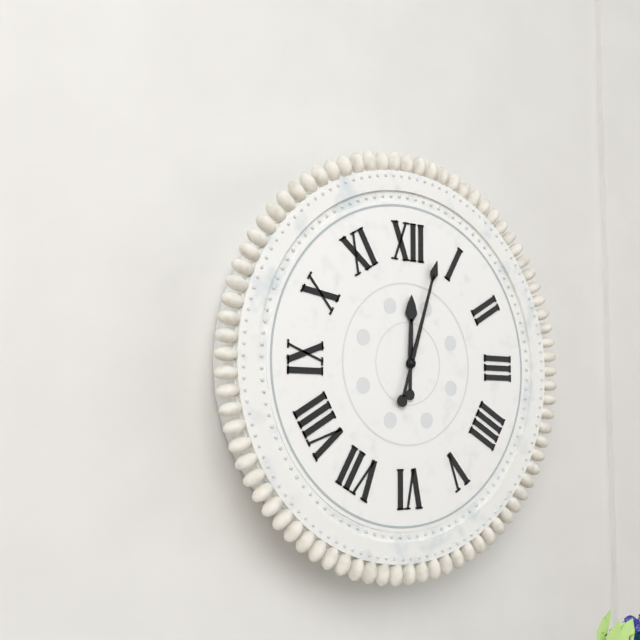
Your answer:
**12:03**
